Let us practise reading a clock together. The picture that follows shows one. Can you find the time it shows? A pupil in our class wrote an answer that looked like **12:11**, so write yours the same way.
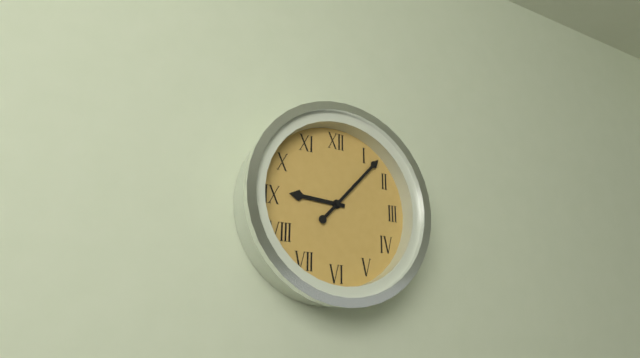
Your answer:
**9:07**
